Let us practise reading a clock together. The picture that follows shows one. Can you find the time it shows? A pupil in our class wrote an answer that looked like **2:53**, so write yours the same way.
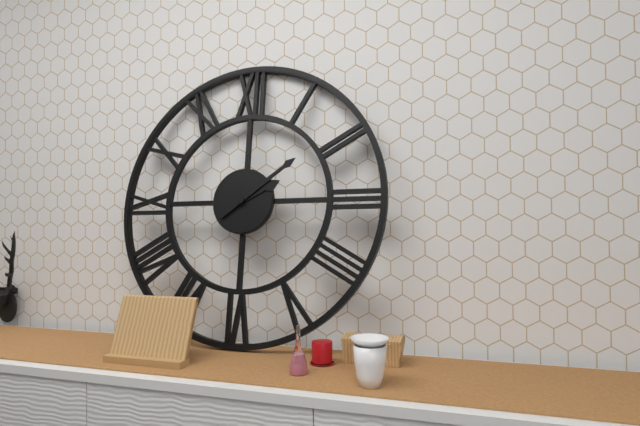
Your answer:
**2:09**
